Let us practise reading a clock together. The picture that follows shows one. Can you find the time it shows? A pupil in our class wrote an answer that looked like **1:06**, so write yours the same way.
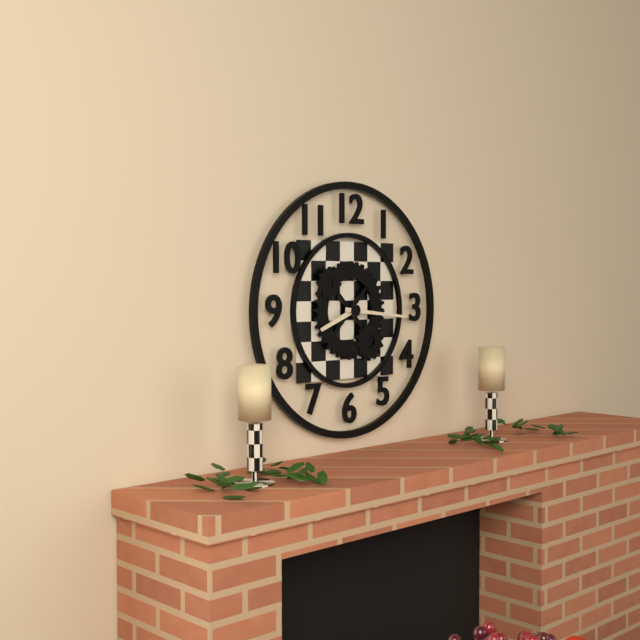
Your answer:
**8:16**
